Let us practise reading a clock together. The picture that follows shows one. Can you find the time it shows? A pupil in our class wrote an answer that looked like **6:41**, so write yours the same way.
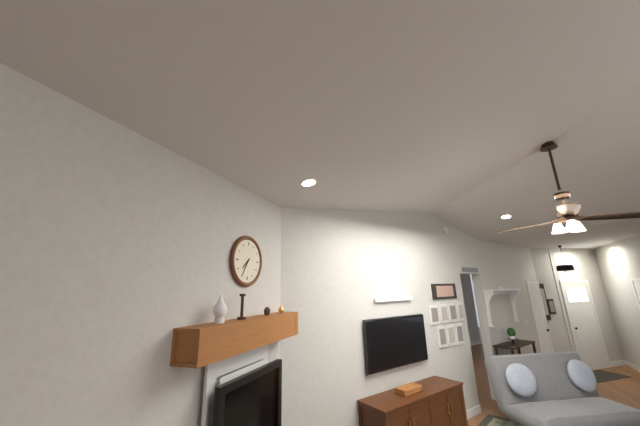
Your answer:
**7:35**
